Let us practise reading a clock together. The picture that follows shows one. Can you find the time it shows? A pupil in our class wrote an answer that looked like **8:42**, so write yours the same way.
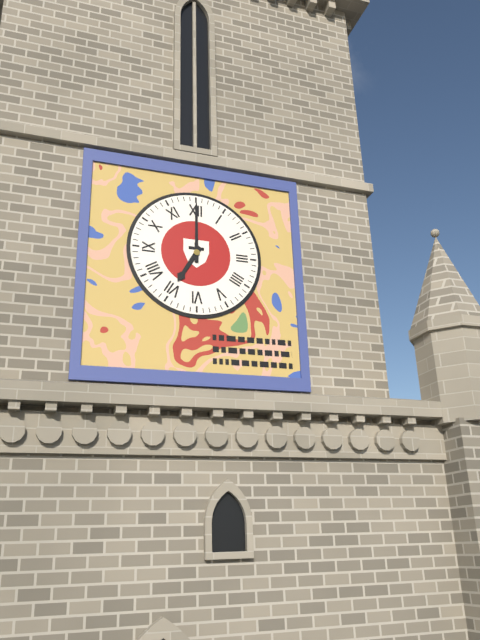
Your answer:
**7:00**
